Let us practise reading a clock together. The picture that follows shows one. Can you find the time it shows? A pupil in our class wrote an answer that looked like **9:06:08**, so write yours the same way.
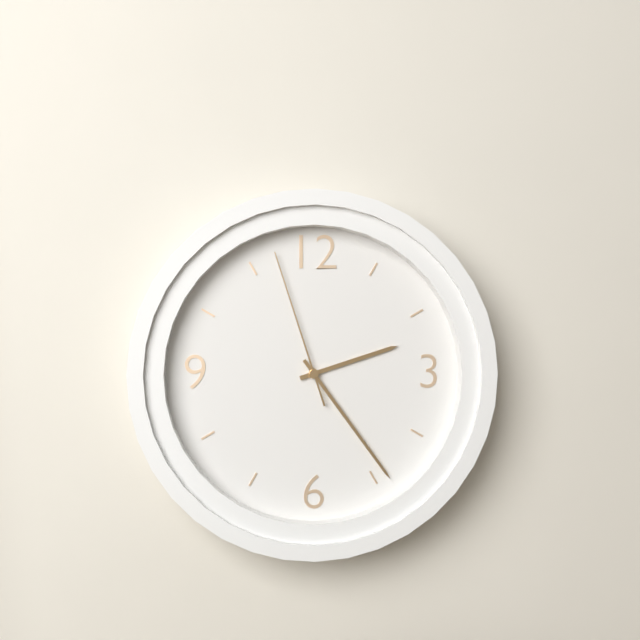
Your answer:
**2:24:57**
